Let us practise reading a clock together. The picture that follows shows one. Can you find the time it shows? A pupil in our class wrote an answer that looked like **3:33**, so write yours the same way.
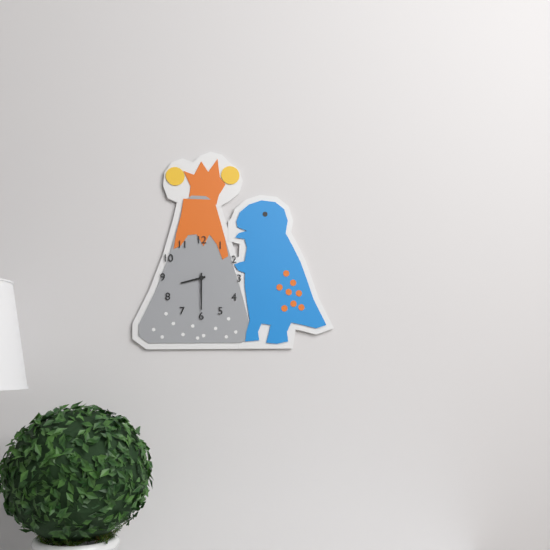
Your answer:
**8:30**
